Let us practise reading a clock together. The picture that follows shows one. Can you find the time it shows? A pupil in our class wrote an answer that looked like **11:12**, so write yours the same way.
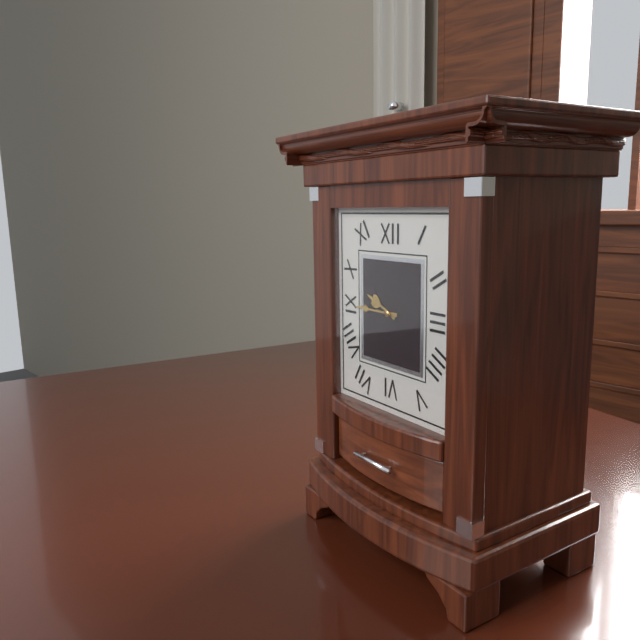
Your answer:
**9:45**
